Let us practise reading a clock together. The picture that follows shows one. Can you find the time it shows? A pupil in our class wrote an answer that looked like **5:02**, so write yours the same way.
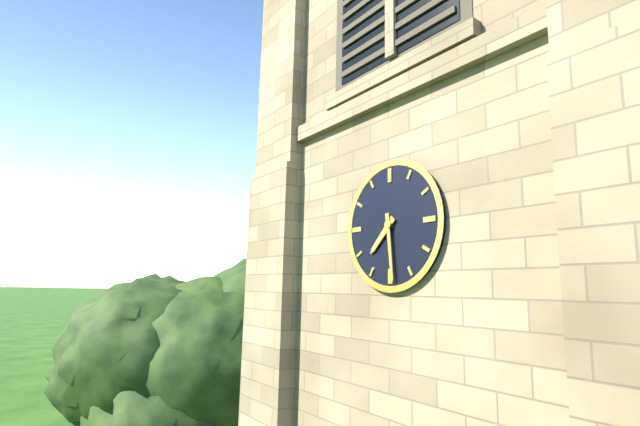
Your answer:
**7:29**
